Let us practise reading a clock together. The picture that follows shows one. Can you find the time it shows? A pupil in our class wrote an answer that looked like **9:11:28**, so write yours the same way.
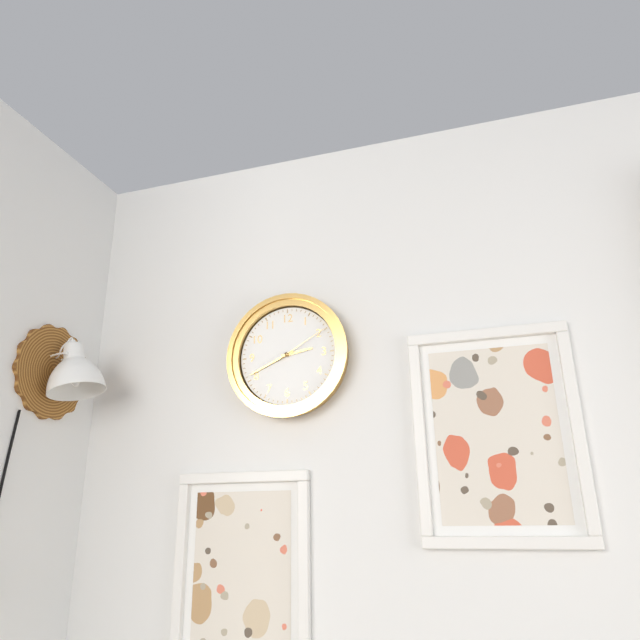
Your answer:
**2:41:10**
